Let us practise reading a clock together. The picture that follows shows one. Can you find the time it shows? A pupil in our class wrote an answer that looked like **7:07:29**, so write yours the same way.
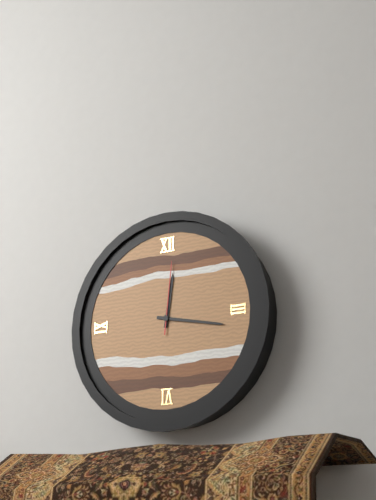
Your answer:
**12:17:01**
